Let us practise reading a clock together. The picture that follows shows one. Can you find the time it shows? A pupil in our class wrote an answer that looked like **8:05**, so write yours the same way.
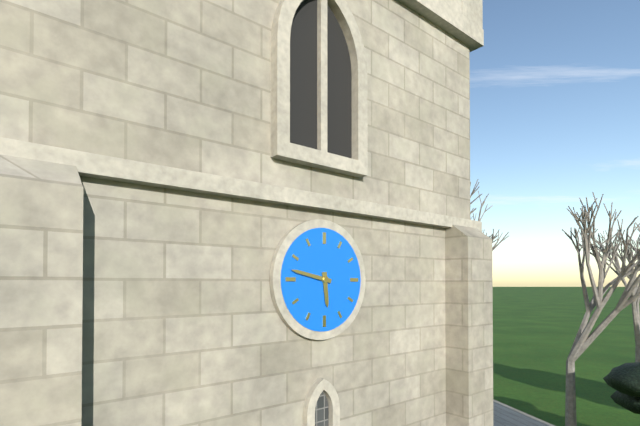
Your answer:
**5:47**
